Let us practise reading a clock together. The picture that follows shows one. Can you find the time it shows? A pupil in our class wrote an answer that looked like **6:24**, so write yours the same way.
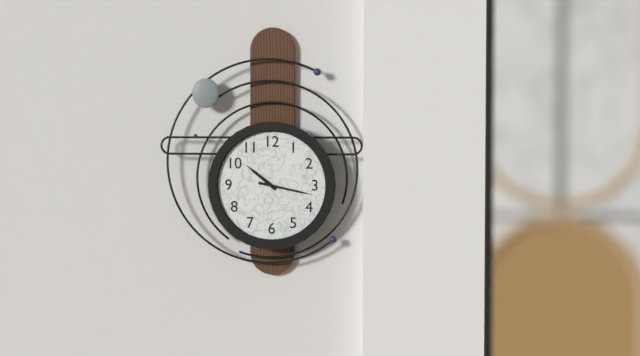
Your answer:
**10:17**
